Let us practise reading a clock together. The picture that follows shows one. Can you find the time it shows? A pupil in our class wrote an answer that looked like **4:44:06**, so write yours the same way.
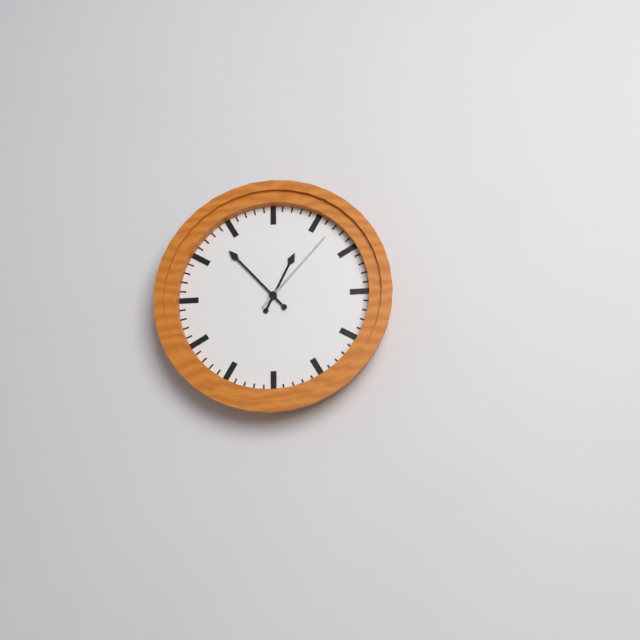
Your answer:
**12:53:07**
